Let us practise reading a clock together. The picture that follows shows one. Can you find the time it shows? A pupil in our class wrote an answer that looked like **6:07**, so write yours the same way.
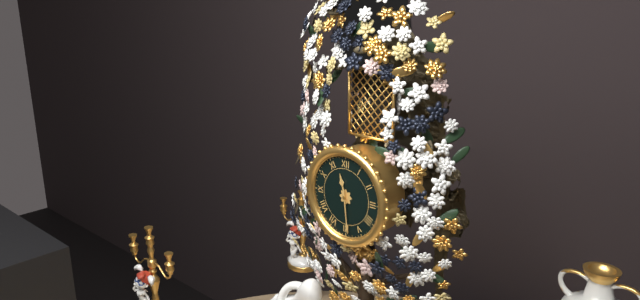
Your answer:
**11:29**
